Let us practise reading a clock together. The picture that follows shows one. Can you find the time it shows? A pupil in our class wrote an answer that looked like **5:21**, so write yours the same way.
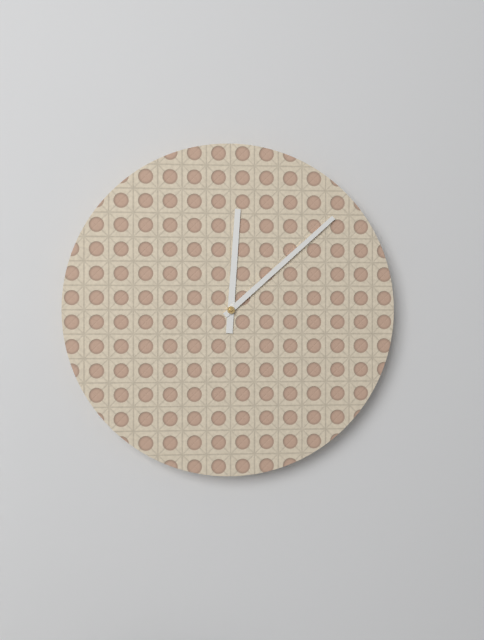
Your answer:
**12:08**
